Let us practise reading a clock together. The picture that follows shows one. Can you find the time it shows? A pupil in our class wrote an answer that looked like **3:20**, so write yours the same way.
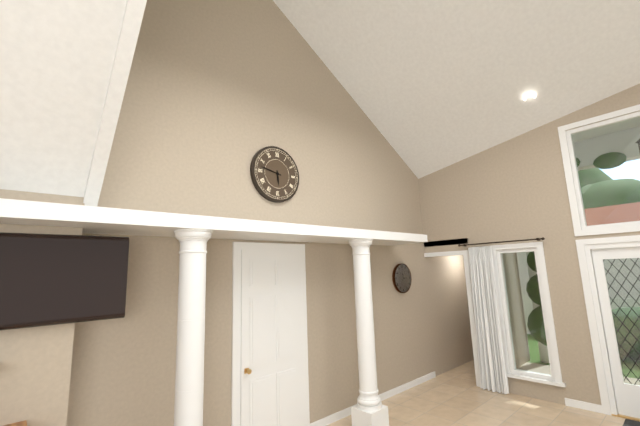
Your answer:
**5:47**
